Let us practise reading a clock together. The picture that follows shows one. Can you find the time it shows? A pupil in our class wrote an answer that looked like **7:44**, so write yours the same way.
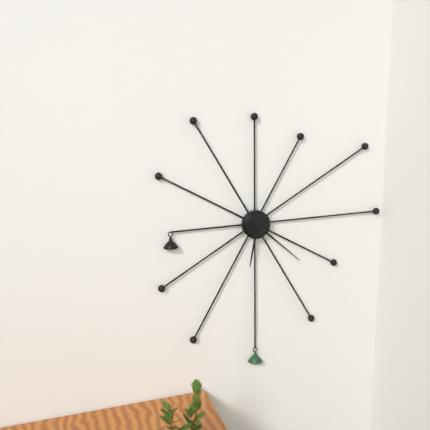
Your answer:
**6:22**
